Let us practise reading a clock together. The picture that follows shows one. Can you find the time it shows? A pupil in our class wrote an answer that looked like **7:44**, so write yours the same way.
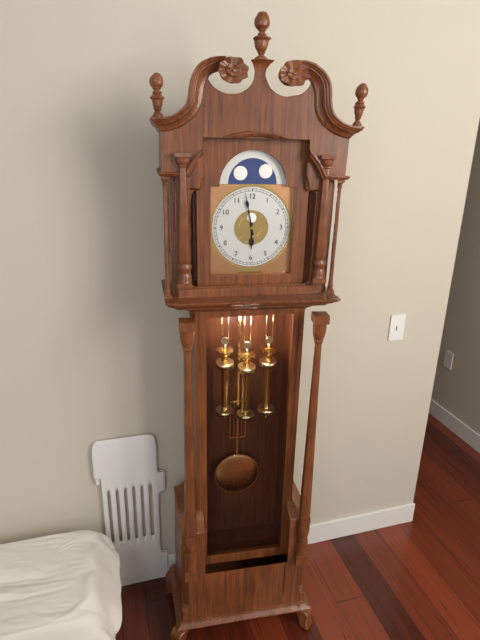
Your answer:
**5:58**
